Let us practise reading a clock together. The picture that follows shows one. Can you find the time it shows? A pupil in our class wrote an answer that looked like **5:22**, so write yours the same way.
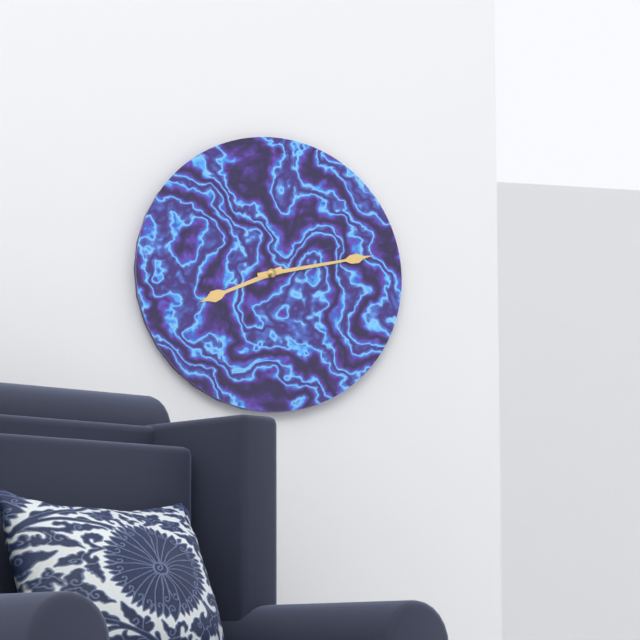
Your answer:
**8:13**
